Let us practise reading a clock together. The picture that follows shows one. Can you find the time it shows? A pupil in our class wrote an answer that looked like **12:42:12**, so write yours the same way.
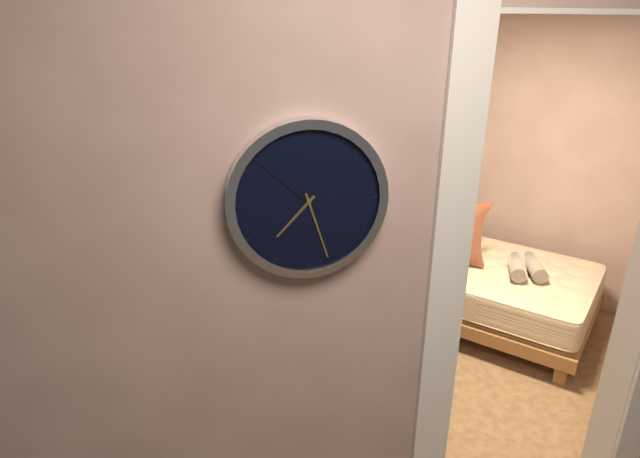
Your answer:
**7:27:52**
